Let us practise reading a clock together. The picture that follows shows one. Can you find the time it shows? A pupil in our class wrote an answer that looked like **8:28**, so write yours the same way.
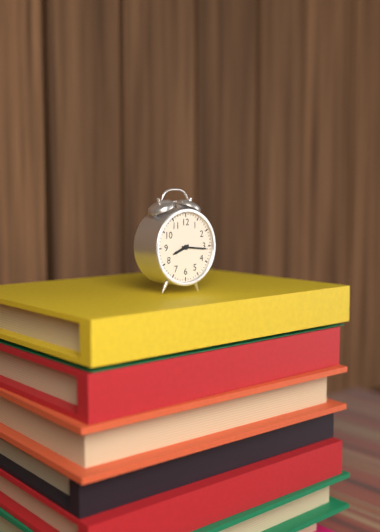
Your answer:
**8:16**
